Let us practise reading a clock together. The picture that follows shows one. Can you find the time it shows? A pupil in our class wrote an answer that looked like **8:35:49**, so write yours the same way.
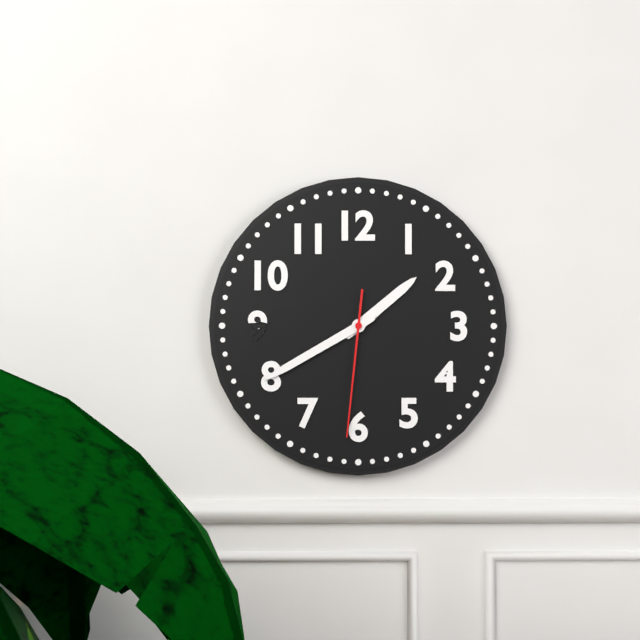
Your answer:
**1:40:31**
